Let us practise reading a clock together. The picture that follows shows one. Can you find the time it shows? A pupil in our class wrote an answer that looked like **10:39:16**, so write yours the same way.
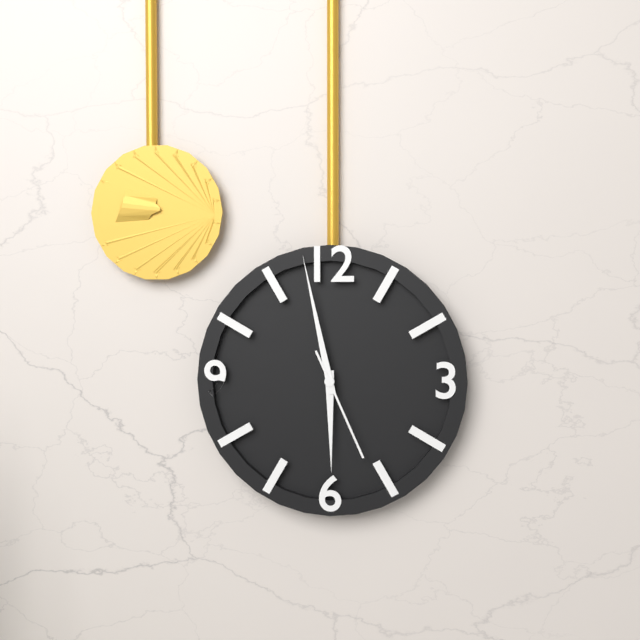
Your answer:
**5:58:26**
